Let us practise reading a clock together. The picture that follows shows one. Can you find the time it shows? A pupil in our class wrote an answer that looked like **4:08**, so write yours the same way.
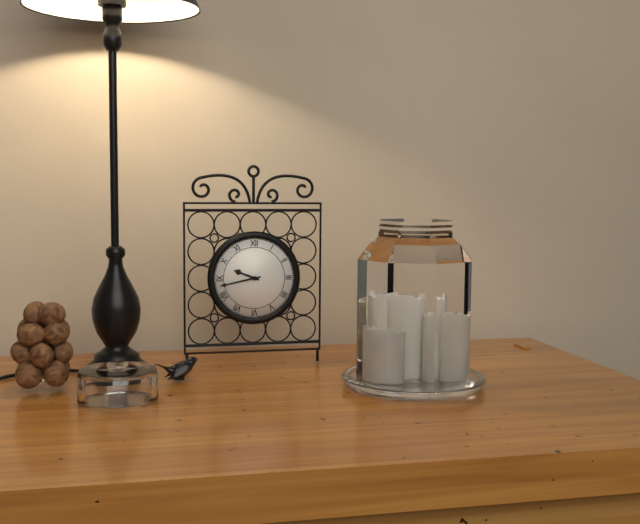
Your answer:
**9:43**
